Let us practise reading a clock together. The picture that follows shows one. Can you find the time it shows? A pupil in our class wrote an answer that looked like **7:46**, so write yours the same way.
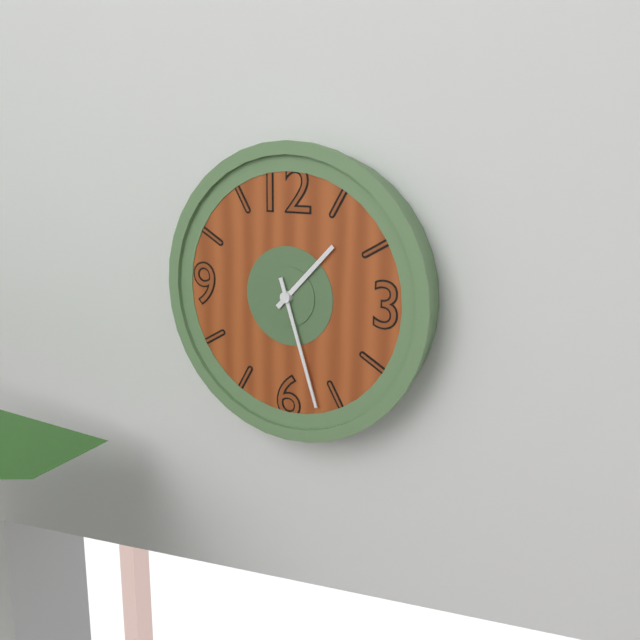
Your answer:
**1:27**
